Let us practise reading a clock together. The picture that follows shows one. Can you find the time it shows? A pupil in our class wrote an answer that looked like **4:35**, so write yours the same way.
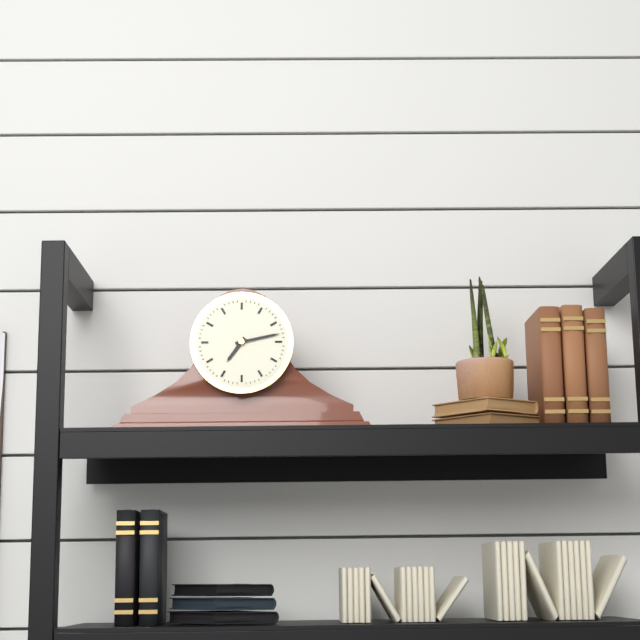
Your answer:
**7:13**
